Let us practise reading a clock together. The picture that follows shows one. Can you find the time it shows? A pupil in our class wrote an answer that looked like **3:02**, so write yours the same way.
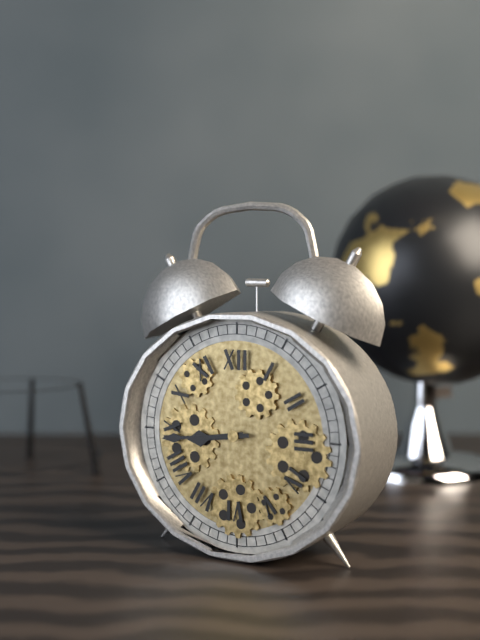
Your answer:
**8:44**
